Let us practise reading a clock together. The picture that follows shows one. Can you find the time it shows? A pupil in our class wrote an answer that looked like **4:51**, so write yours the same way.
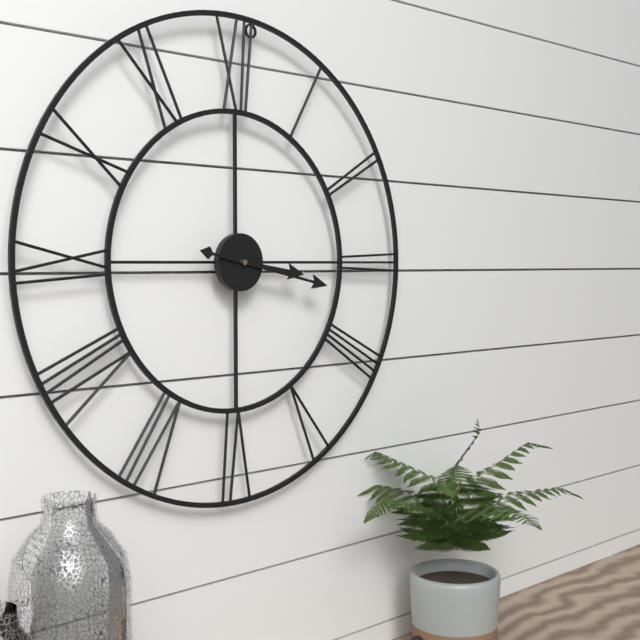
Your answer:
**3:17**
